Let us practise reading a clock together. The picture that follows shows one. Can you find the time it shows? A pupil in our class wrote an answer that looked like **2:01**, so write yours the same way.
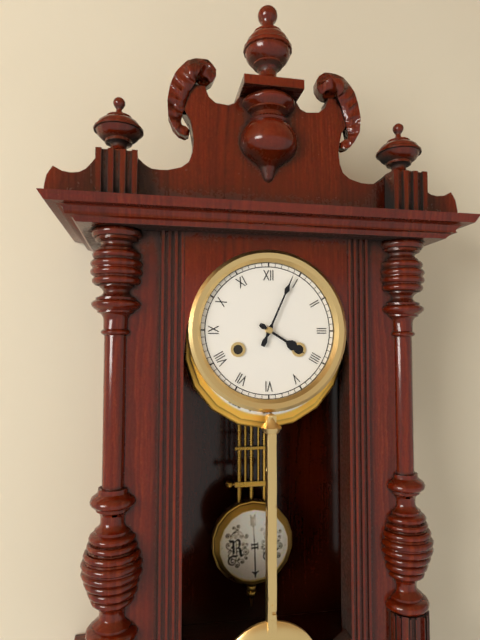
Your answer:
**4:04**
